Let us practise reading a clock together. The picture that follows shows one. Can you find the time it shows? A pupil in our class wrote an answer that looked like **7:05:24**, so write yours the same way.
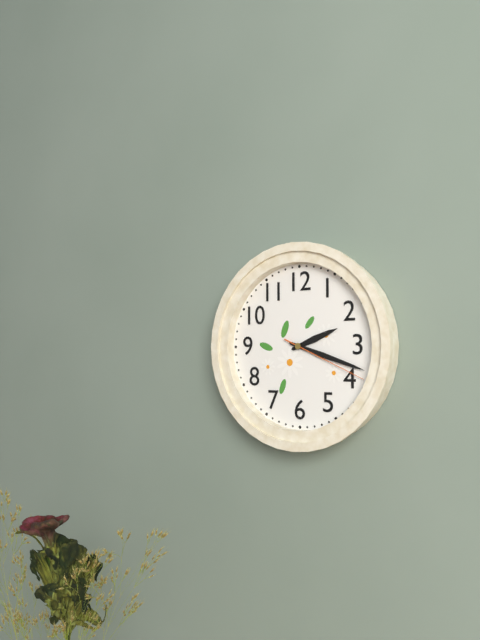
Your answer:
**2:18:19**
